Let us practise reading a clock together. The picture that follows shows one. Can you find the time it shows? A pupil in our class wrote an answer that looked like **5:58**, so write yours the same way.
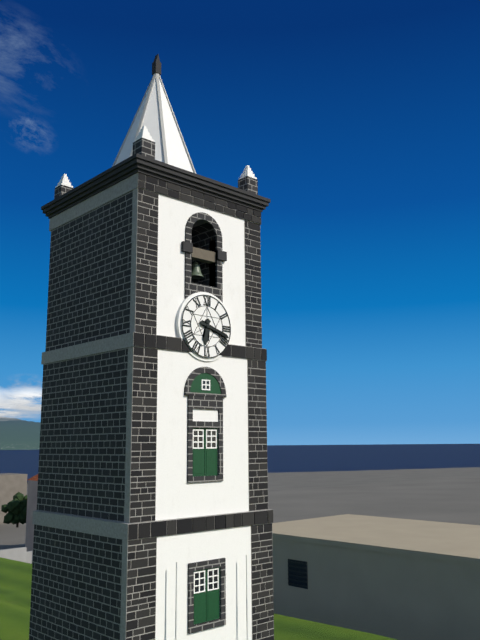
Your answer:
**6:18**
